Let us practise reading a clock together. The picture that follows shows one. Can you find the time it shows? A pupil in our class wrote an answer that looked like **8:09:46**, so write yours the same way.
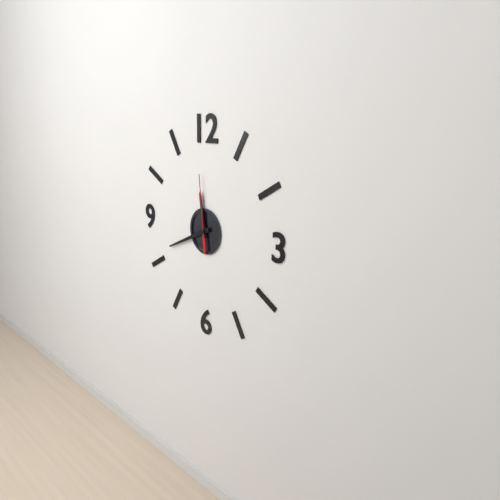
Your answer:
**11:41:59**
